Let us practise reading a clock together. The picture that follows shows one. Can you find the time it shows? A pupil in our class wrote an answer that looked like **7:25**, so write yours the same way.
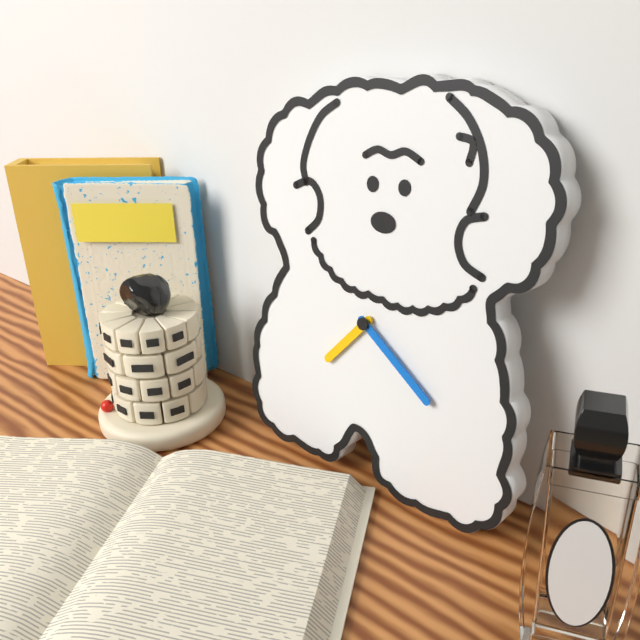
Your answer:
**7:21**
